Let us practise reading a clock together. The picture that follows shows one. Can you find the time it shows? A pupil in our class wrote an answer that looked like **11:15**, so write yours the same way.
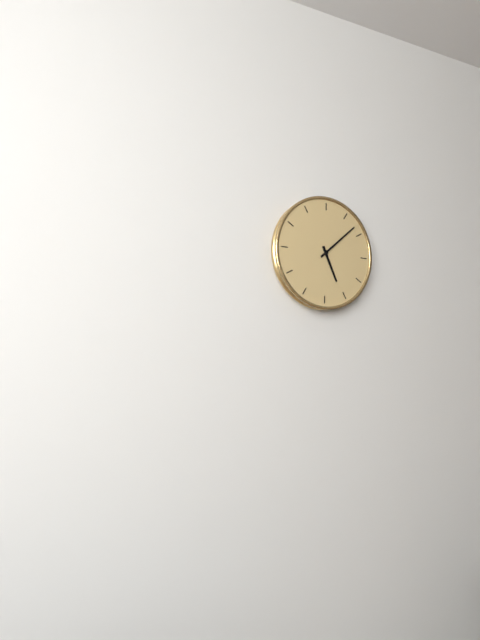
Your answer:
**5:08**
